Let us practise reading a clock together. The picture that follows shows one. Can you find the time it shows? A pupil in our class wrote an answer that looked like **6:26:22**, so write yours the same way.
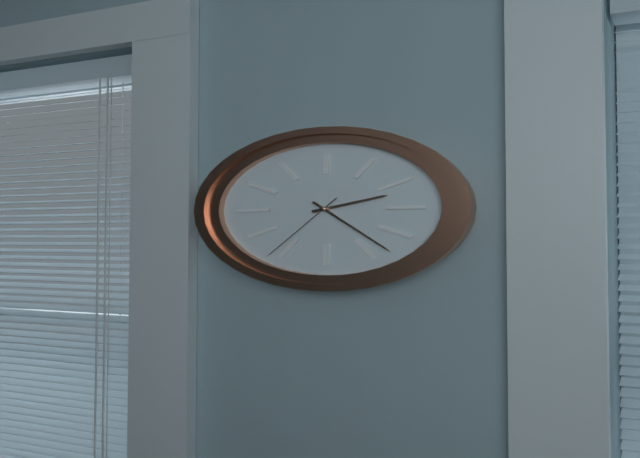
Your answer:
**2:23:36**
